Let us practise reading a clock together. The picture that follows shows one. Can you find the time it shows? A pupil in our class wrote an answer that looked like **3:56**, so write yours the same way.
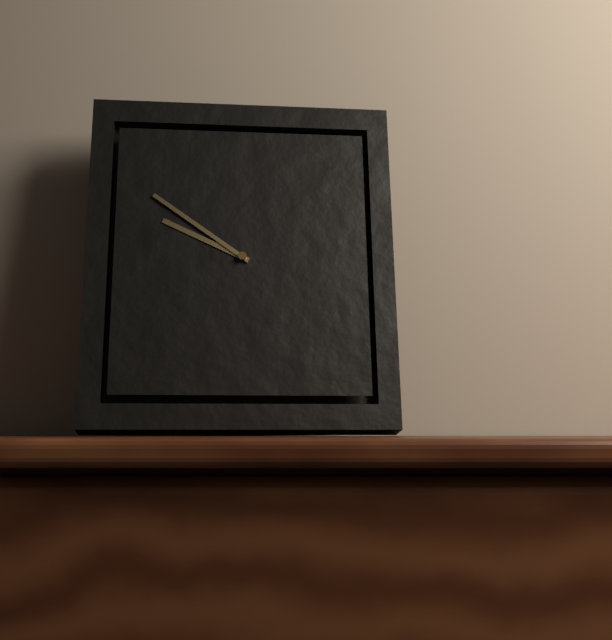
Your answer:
**9:51**
